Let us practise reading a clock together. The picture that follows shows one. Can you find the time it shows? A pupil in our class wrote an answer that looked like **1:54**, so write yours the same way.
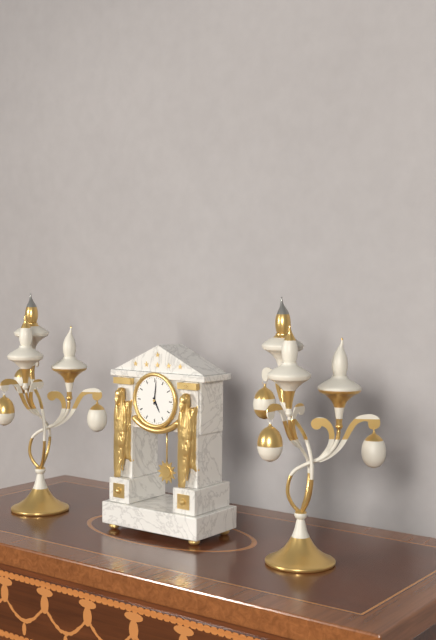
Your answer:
**5:01**
